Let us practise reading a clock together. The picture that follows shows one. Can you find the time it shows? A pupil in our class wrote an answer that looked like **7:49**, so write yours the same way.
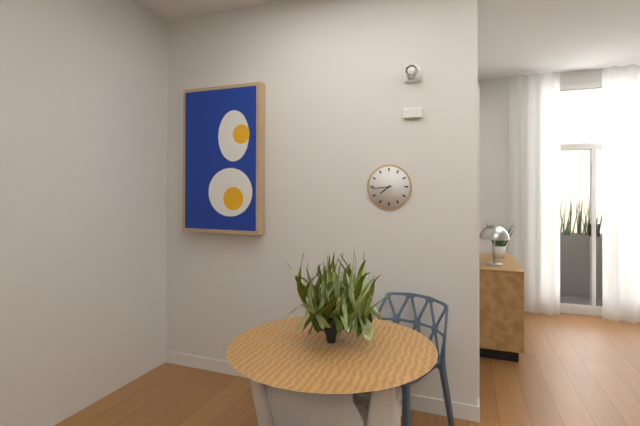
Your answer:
**7:44**
